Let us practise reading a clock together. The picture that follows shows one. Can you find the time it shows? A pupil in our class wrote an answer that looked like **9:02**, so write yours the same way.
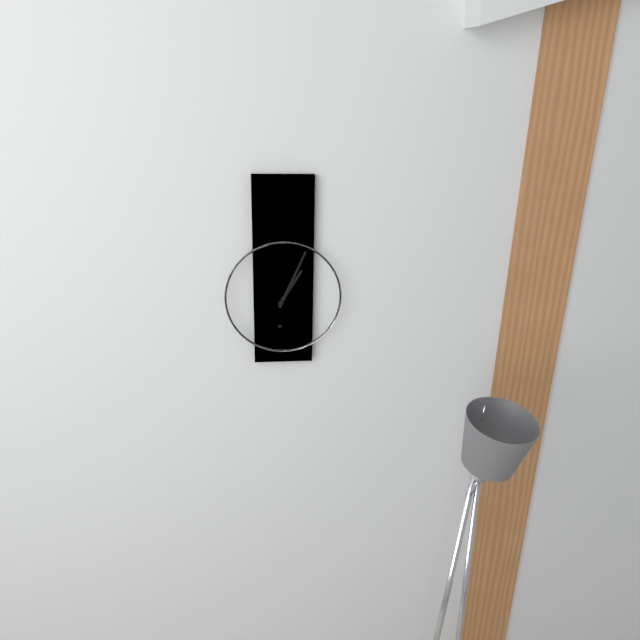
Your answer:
**1:04**
